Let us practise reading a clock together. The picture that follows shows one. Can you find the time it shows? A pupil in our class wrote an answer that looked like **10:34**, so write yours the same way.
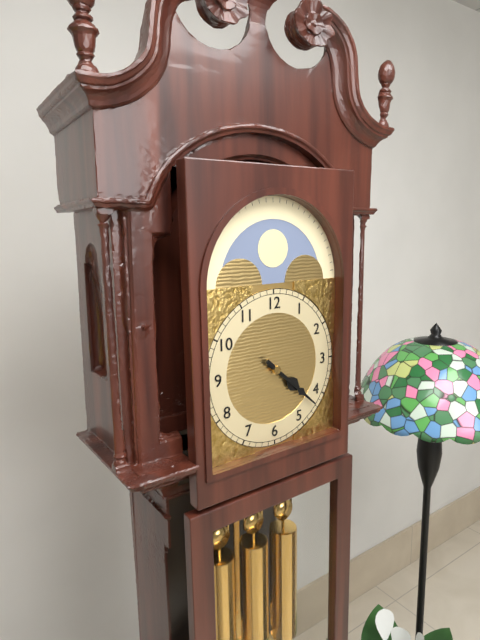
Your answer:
**4:22**
